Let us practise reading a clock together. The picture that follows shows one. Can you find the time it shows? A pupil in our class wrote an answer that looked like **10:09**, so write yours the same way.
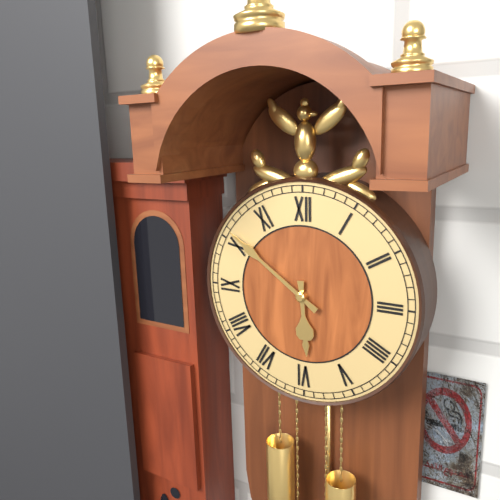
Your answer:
**5:51**
